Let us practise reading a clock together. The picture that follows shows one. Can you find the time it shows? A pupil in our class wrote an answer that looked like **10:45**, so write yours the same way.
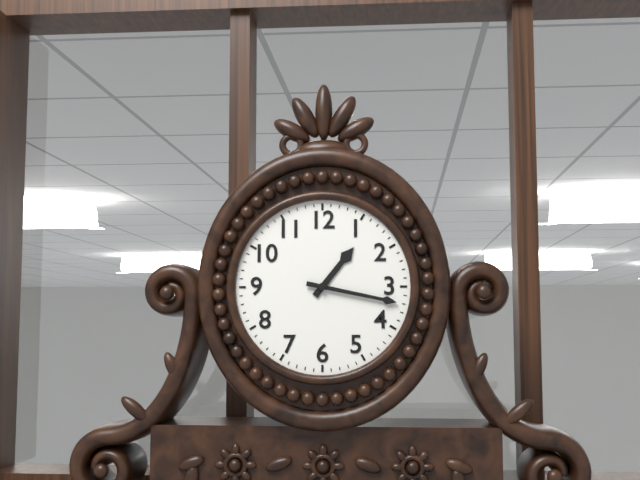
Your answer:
**1:17**
